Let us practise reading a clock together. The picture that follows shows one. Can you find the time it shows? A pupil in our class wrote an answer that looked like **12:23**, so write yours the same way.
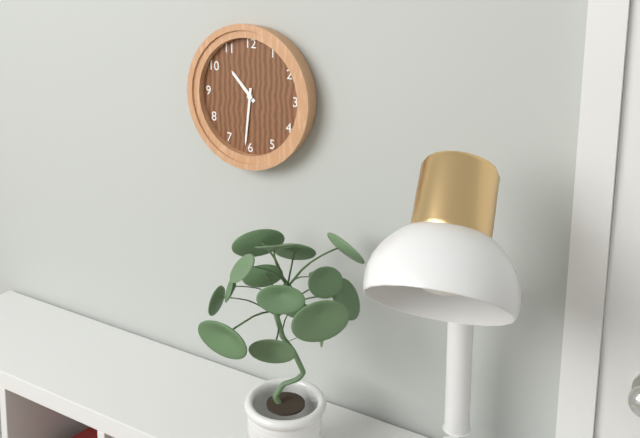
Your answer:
**10:31**
